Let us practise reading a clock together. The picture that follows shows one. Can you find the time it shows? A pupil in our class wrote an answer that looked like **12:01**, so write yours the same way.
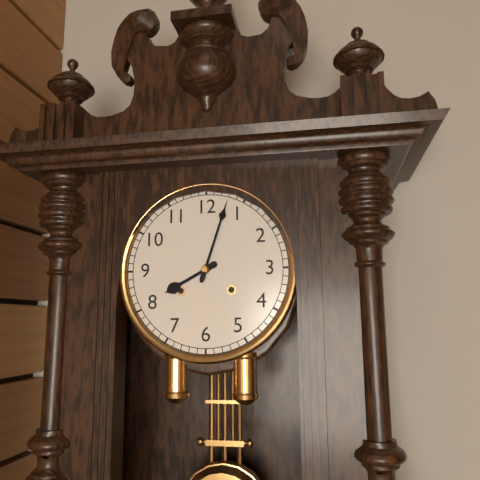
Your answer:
**8:03**
